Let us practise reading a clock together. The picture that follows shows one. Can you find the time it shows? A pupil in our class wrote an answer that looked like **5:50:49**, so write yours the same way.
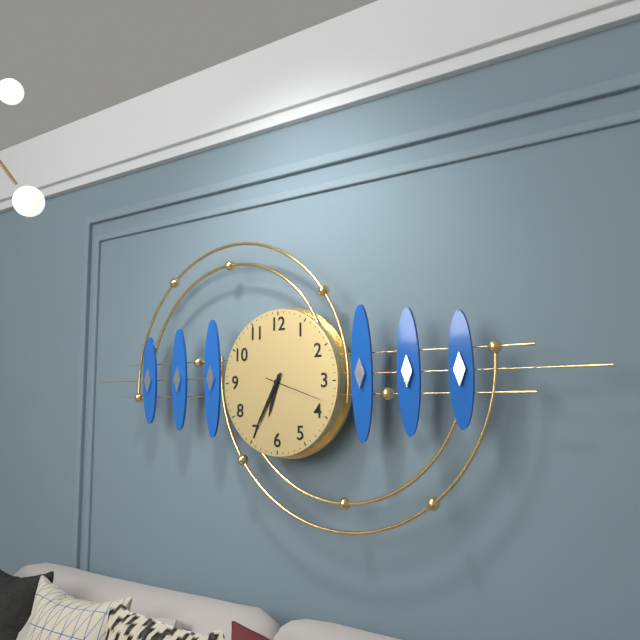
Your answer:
**6:35:18**
